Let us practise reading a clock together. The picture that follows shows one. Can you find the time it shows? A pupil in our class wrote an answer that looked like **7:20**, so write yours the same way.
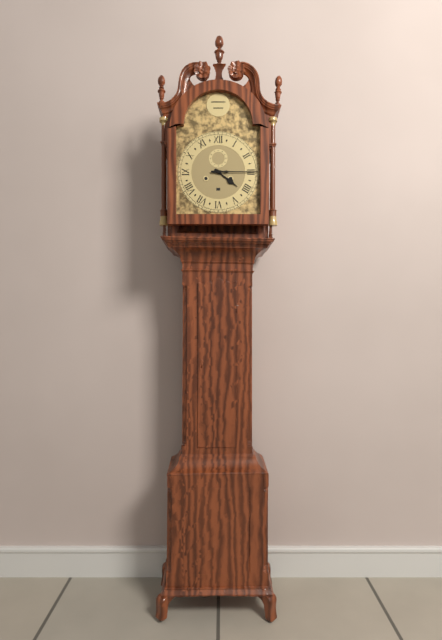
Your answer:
**4:15**
